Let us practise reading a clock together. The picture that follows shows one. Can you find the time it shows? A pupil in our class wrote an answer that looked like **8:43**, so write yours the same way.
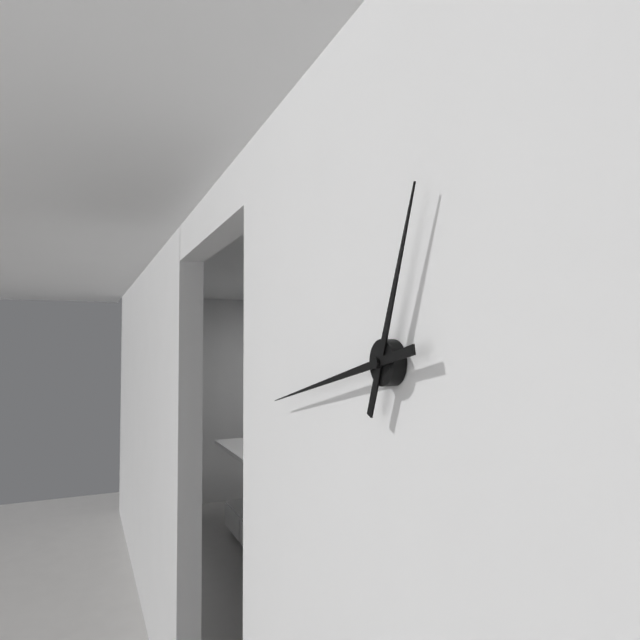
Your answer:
**12:43**
